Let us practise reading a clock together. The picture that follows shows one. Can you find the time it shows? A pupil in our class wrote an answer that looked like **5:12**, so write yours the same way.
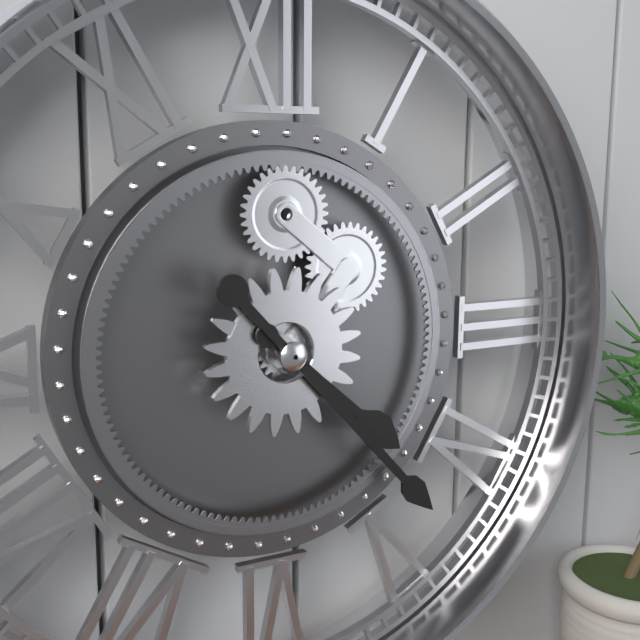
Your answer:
**4:23**
